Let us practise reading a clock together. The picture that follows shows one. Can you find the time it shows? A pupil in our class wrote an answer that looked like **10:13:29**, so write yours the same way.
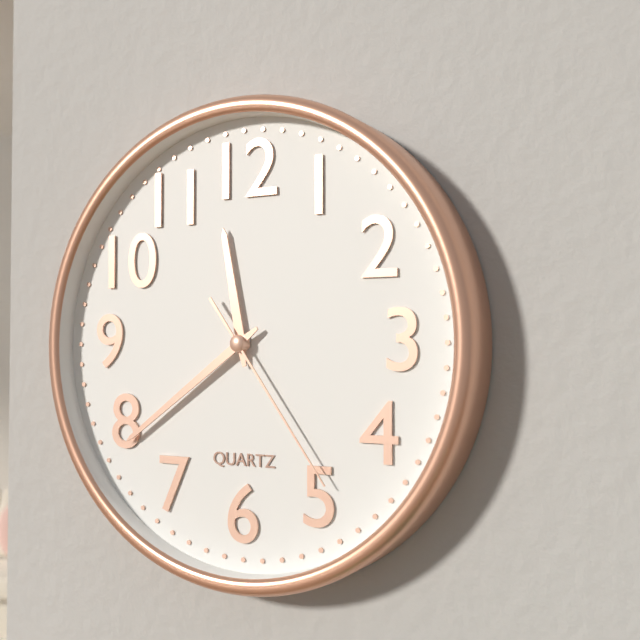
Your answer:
**11:39:24**
